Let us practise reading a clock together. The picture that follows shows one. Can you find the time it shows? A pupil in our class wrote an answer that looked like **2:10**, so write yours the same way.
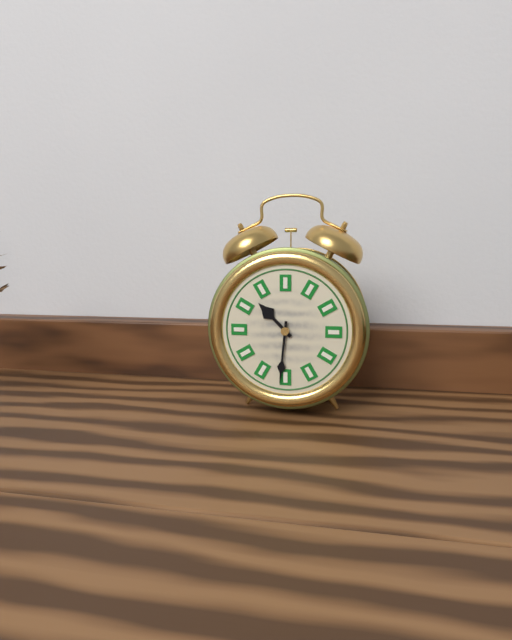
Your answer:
**10:31**
